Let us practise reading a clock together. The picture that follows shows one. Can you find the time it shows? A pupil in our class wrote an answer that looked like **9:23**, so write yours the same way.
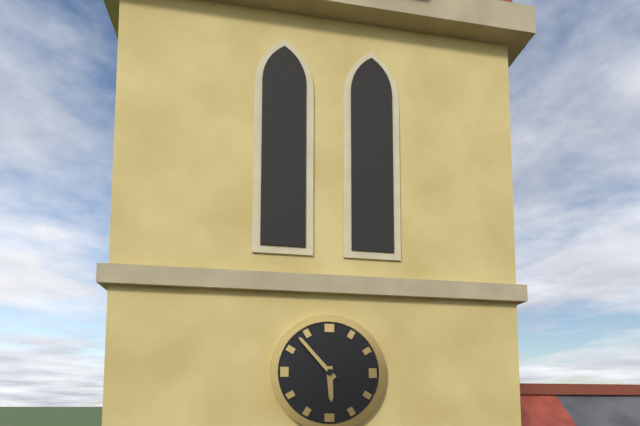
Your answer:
**5:53**
